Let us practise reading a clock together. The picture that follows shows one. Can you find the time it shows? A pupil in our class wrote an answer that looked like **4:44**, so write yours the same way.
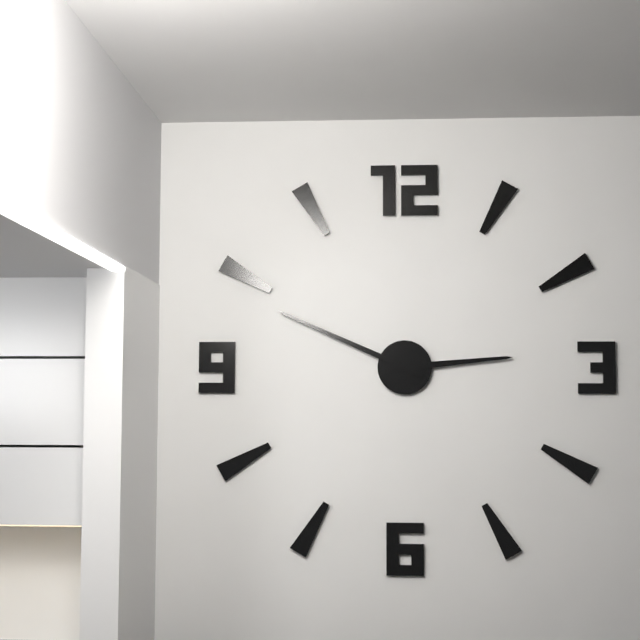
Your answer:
**2:49**
